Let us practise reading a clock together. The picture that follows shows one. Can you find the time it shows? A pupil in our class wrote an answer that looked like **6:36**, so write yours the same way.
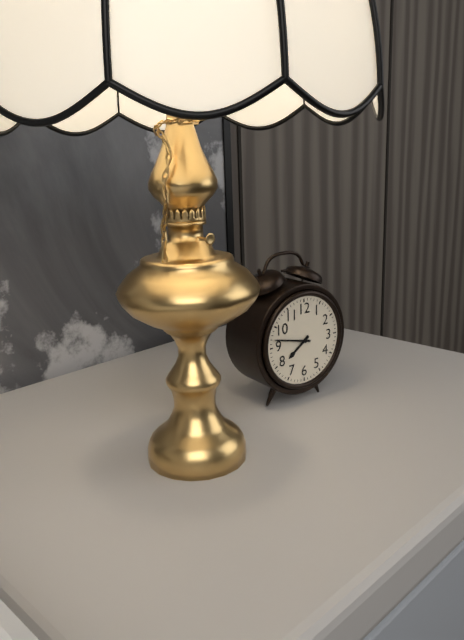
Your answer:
**7:47**
